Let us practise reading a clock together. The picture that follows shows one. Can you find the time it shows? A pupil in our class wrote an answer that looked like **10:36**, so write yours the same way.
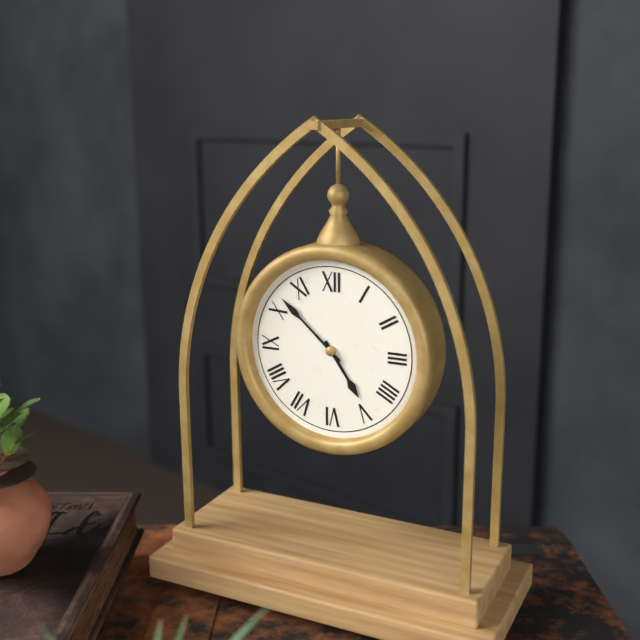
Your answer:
**4:52**
